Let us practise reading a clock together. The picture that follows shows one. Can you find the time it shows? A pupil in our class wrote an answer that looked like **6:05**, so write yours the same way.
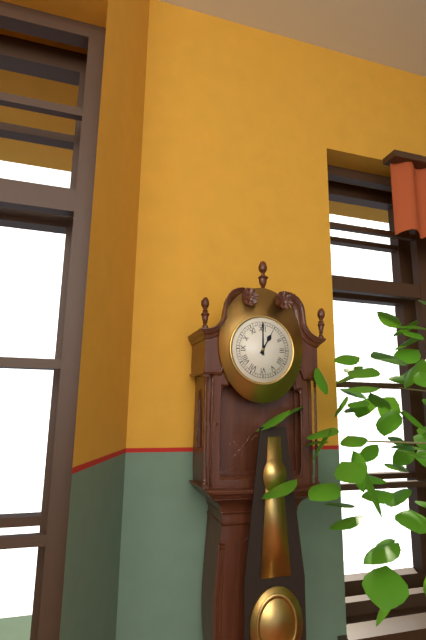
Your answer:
**1:00**
